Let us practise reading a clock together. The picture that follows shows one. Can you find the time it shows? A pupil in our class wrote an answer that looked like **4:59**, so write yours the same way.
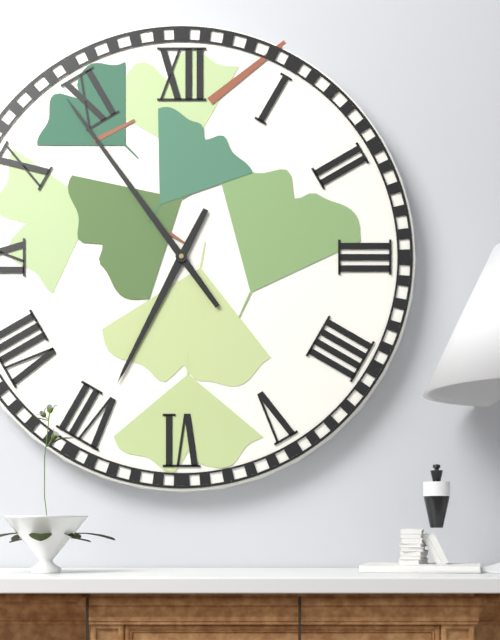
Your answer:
**6:54**
